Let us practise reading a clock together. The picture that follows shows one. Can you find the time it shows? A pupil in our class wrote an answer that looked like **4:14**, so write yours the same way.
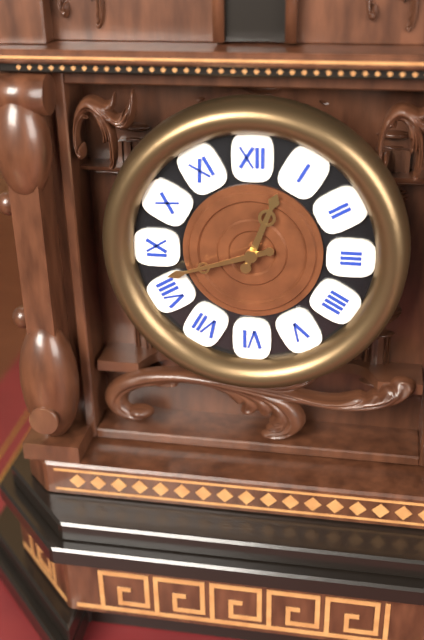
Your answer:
**12:42**
